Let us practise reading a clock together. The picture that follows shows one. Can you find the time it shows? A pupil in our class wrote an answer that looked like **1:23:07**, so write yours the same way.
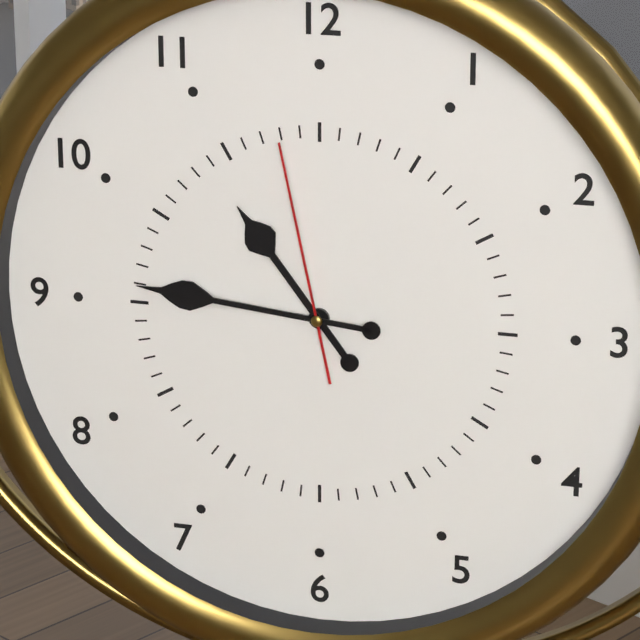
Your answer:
**10:46:58**
